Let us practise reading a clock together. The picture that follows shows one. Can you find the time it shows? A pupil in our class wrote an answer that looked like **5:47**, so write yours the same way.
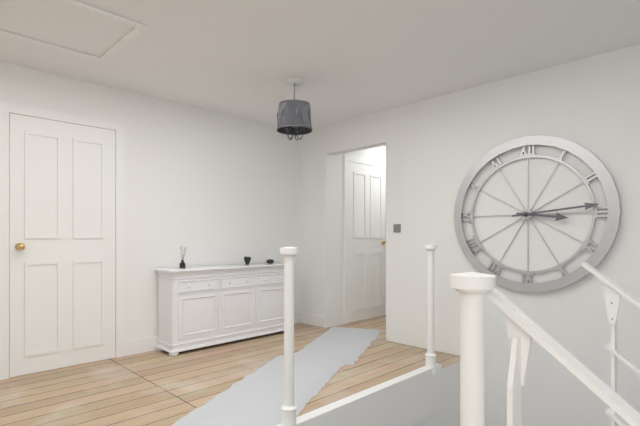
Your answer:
**3:14**
